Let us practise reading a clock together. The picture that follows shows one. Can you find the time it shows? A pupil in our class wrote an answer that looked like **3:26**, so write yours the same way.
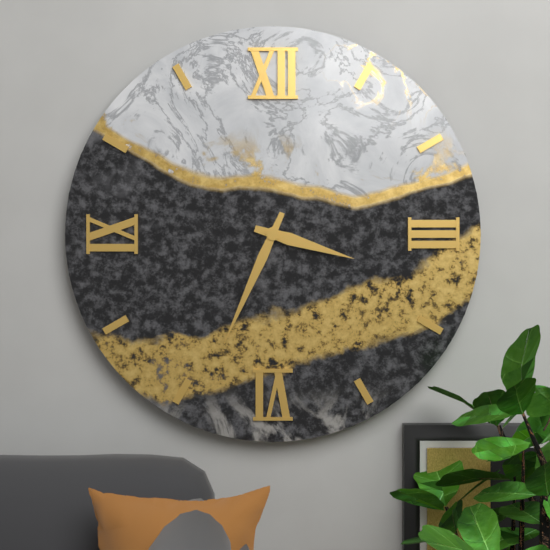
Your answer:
**3:34**
